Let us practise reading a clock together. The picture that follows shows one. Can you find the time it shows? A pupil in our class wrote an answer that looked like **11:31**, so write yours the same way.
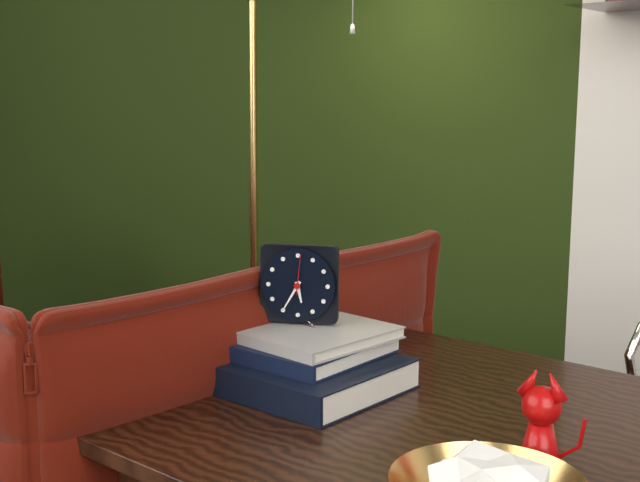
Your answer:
**5:35**
